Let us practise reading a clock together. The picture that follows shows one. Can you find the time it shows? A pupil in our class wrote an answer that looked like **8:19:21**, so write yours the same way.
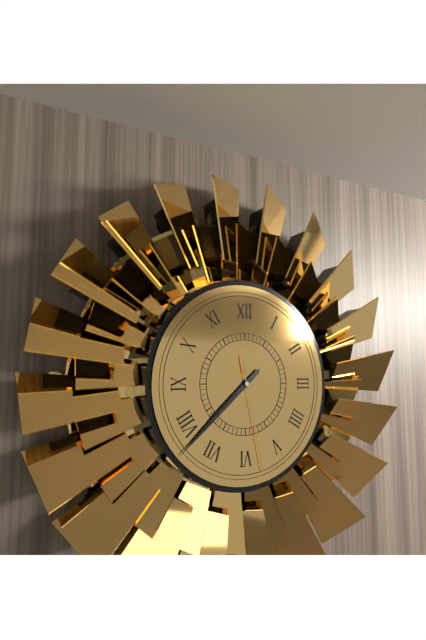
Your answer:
**7:38:28**
